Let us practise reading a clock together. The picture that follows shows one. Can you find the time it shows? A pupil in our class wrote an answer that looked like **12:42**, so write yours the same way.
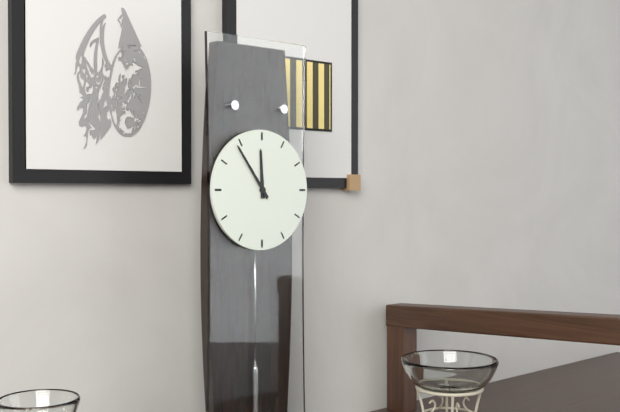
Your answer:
**11:54**
